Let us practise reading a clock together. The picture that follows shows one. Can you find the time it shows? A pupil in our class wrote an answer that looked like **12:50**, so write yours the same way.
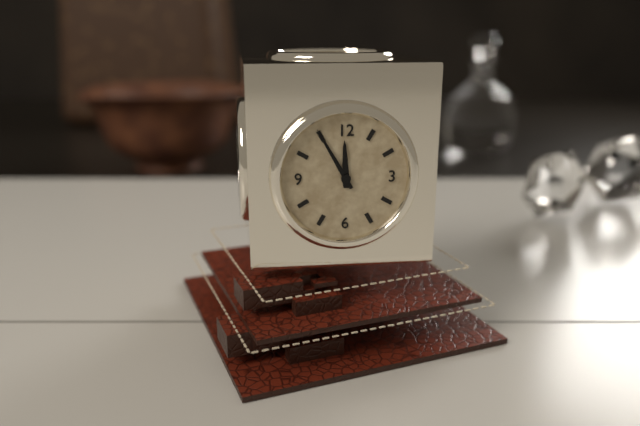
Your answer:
**11:55**
